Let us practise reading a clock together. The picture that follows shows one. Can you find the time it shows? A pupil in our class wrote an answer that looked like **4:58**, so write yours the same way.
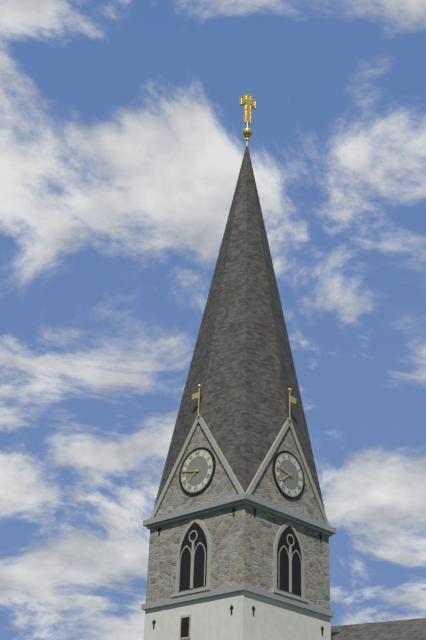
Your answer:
**7:47**
